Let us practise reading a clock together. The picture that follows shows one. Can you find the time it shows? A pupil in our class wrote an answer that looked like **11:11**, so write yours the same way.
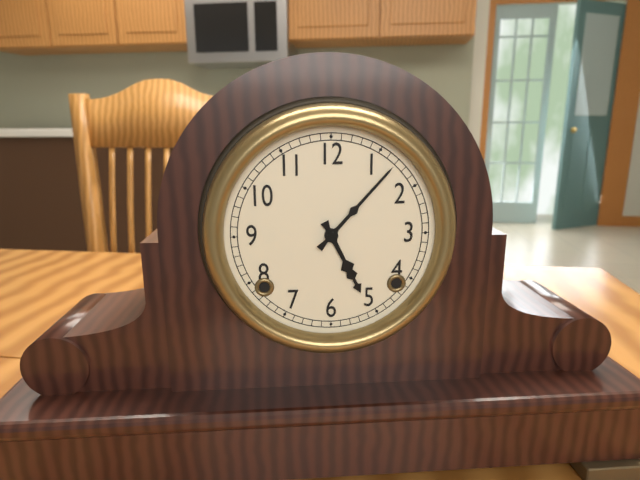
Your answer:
**5:07**
